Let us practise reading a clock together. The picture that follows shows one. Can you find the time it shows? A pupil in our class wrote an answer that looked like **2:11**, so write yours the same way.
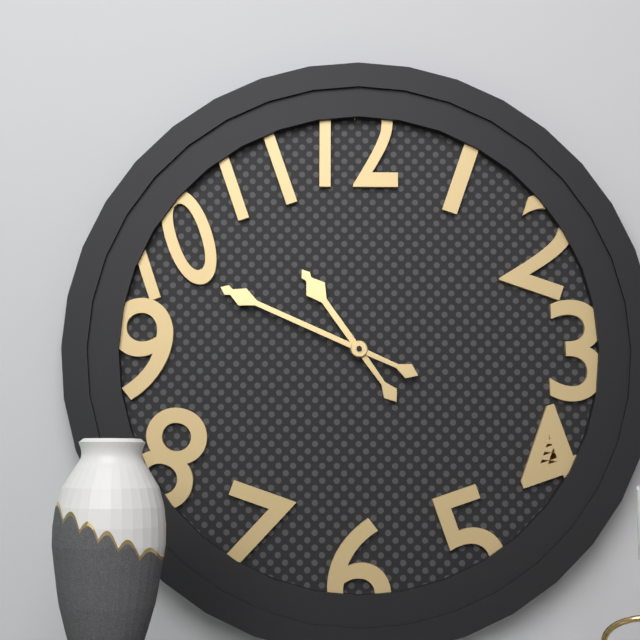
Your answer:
**10:49**
